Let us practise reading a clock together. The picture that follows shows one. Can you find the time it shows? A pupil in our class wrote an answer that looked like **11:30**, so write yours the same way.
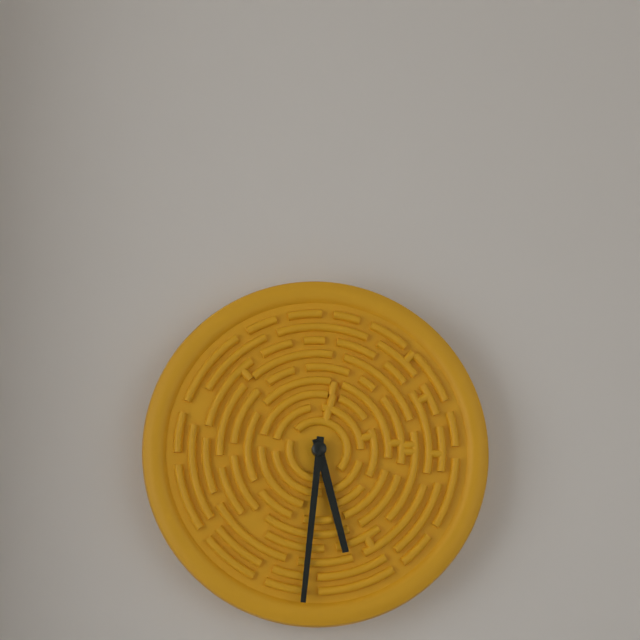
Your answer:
**5:31**
